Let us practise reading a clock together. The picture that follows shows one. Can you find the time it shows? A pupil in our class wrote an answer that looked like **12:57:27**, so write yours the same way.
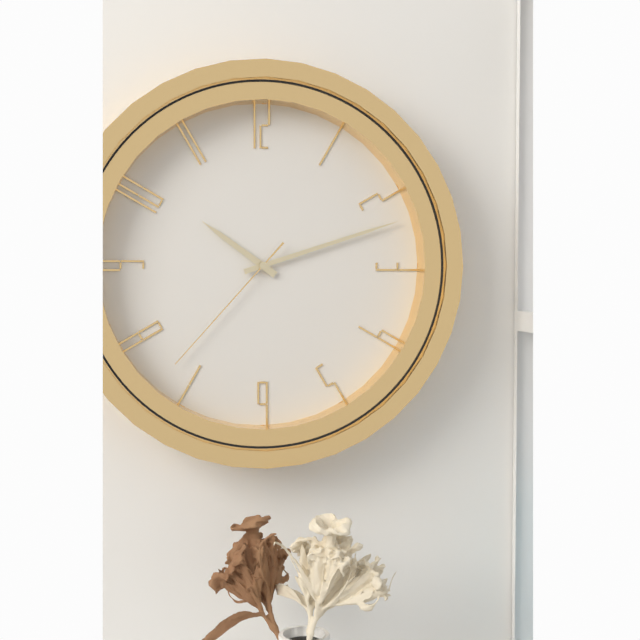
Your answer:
**10:12:37**
